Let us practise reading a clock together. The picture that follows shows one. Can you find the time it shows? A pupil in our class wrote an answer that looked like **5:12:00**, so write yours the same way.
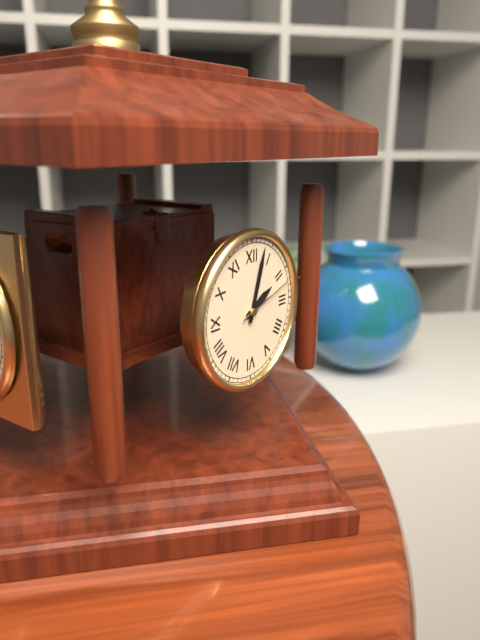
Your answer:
**2:03:12**
